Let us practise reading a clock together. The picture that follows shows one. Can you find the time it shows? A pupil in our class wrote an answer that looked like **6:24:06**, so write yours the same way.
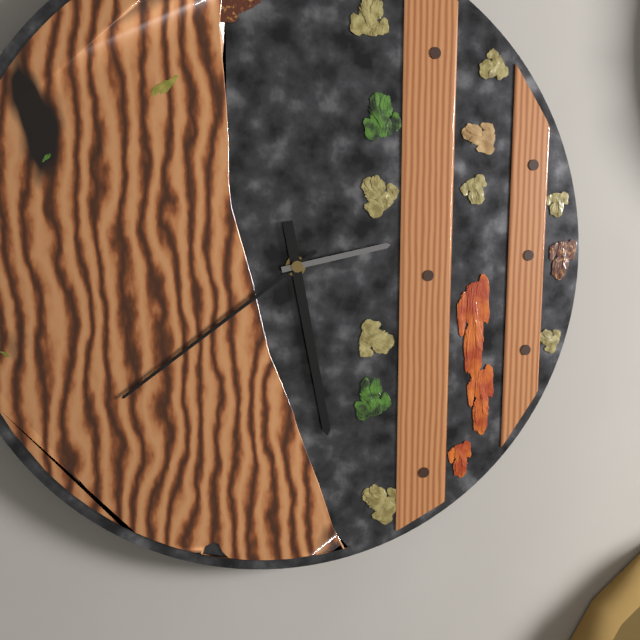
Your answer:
**5:39:13**
